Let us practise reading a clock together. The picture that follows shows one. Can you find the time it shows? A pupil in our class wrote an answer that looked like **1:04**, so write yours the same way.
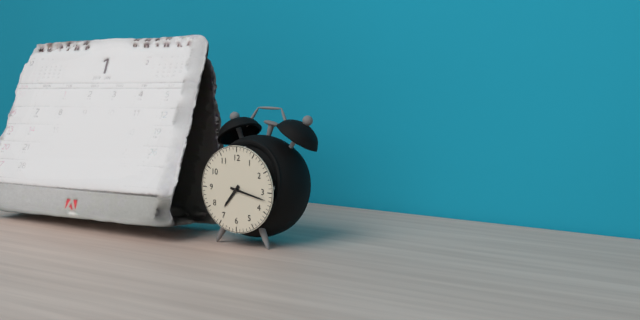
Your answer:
**7:17**
